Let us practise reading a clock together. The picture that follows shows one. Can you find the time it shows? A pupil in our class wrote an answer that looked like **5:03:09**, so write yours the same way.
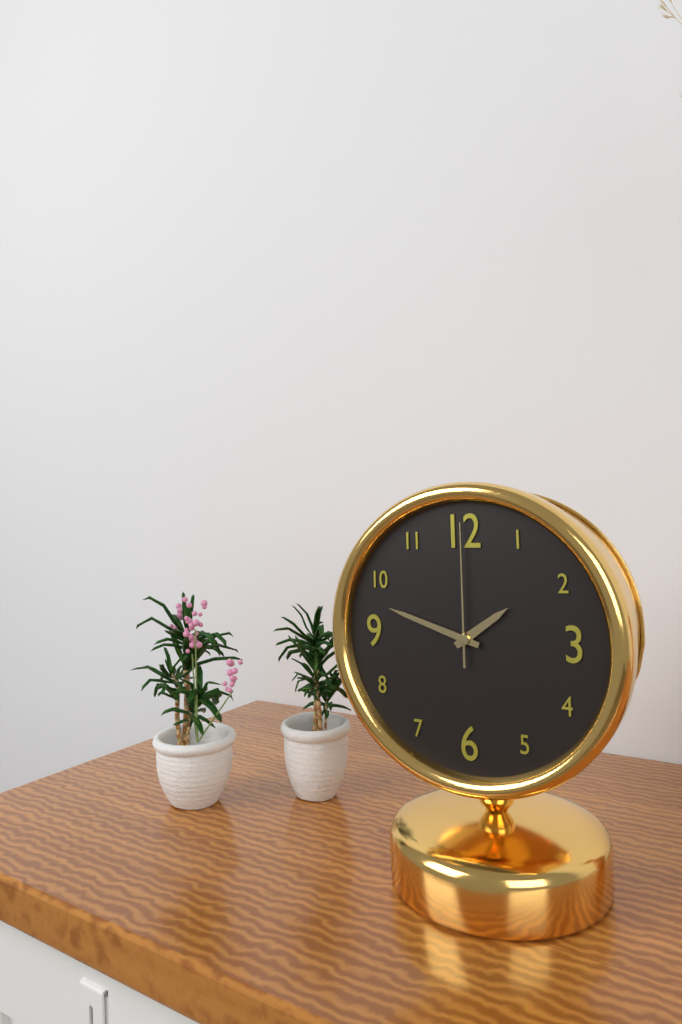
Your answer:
**1:48:00**
